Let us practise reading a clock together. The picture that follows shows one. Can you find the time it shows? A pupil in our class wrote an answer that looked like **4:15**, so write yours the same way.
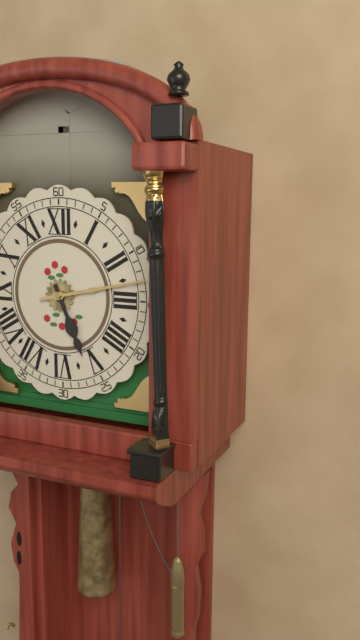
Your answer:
**5:13**
